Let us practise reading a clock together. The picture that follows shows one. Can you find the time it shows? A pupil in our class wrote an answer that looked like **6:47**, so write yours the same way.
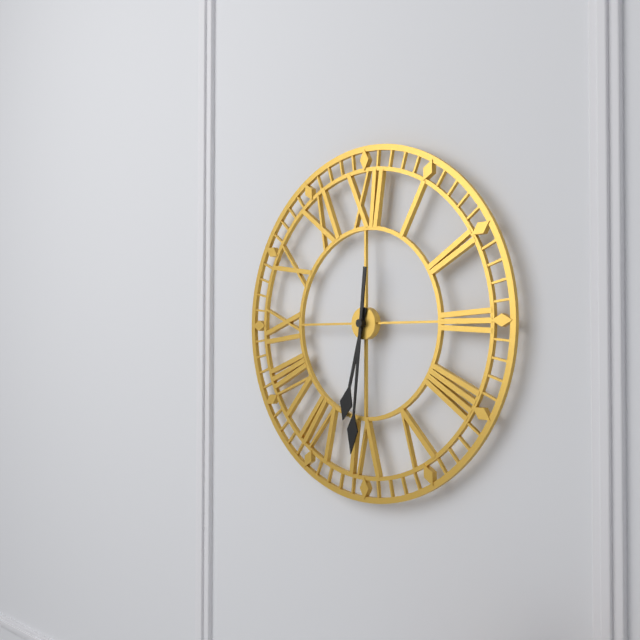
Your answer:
**6:31**
